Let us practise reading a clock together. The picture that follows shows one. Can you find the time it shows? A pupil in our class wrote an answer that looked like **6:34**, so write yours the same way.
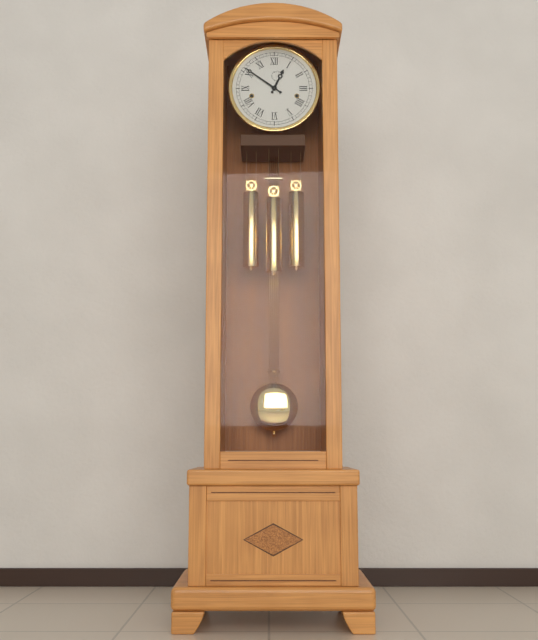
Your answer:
**12:51**
